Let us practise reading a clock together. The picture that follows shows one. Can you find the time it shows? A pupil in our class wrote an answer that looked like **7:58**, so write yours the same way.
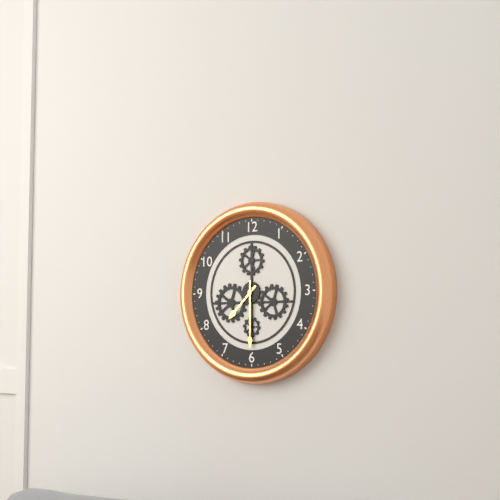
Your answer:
**7:30**
